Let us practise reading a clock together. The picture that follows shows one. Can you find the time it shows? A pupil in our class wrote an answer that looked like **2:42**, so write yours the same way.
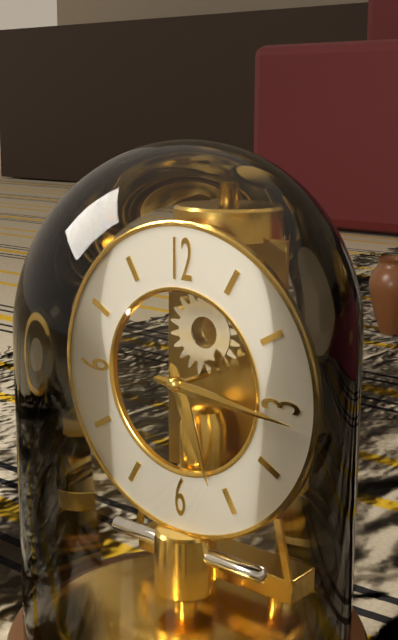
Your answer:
**5:16**
